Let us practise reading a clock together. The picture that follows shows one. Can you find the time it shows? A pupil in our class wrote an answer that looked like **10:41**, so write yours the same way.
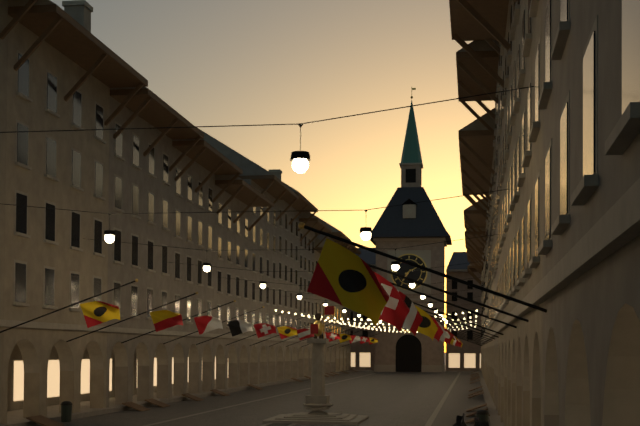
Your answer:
**7:10**
